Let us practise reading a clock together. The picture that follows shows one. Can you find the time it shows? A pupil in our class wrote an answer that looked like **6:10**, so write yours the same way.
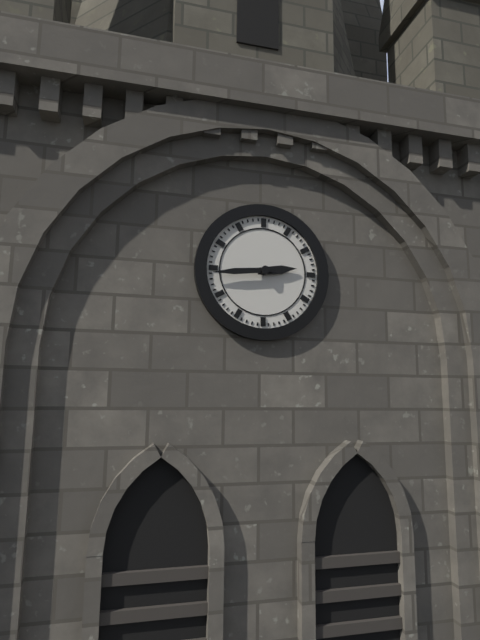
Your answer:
**2:44**
